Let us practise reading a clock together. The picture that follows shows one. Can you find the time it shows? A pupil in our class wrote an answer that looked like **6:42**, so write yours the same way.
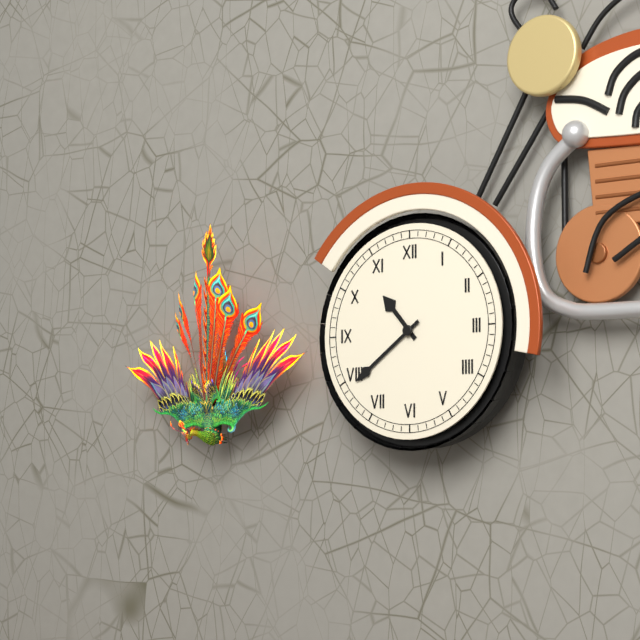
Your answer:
**10:39**
